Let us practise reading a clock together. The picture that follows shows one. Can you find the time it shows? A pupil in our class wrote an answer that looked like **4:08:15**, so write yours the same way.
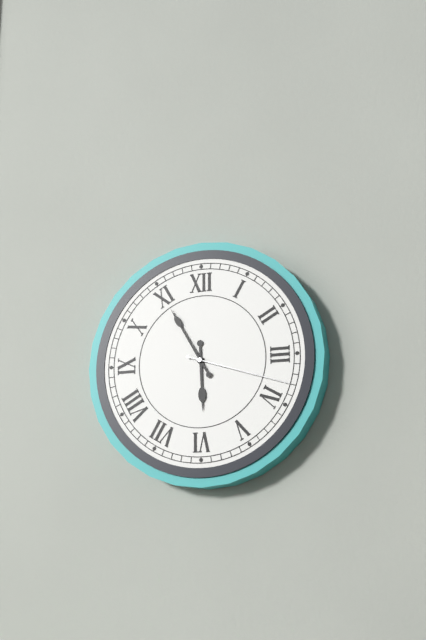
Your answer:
**5:55:18**
